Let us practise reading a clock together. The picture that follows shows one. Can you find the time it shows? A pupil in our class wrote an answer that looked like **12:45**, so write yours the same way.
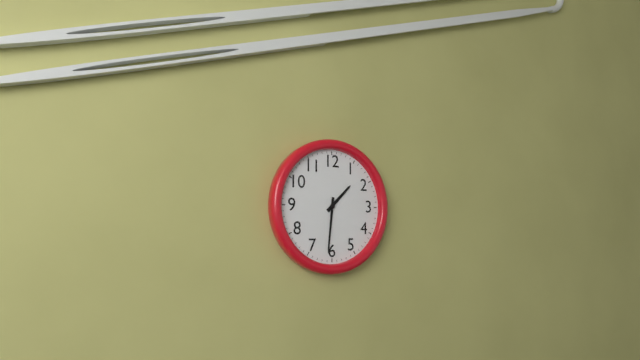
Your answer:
**1:31**
